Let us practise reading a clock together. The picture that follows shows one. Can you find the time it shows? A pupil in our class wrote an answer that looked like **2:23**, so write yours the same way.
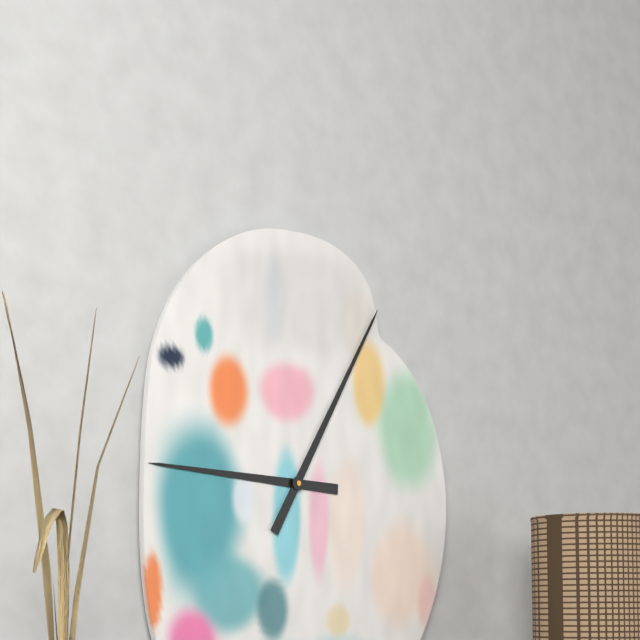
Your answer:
**9:05**
